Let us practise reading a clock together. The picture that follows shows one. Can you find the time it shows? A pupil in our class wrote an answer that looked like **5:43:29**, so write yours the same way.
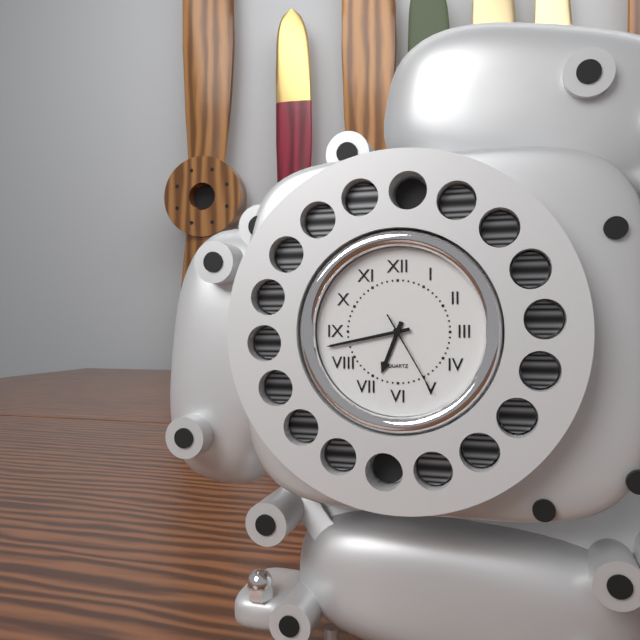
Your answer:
**6:43:25**
